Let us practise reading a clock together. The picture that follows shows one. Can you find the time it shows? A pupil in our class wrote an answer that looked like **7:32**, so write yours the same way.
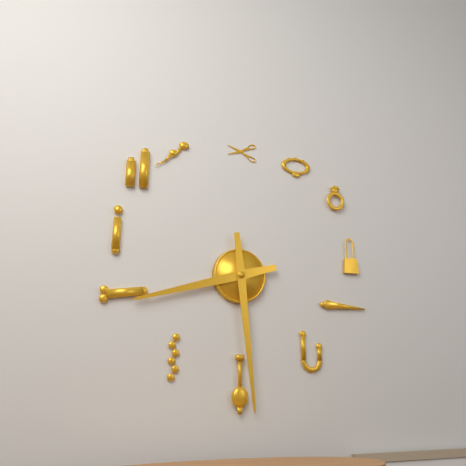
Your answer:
**8:29**
